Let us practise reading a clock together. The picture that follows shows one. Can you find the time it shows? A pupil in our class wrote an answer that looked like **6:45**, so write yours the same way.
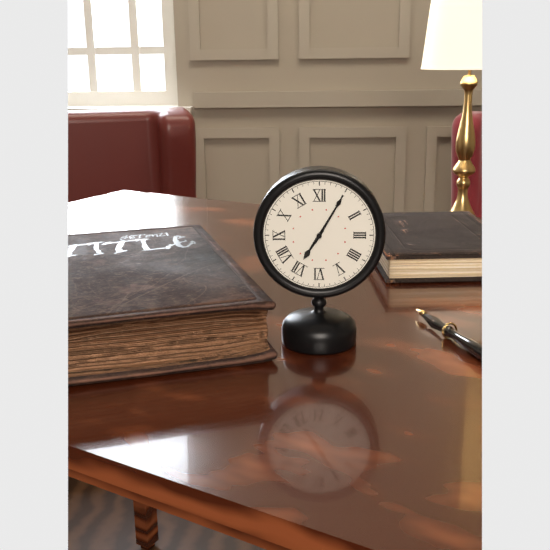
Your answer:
**7:05**
